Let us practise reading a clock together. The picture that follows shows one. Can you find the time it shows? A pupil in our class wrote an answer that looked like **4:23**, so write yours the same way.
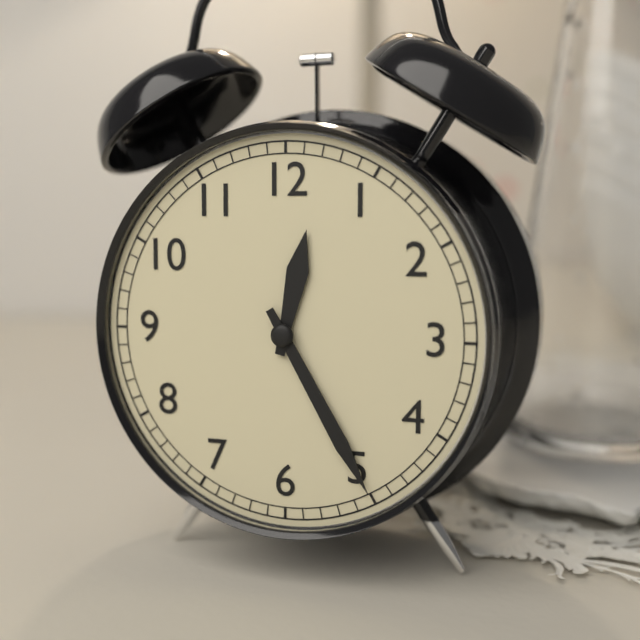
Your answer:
**12:25**
